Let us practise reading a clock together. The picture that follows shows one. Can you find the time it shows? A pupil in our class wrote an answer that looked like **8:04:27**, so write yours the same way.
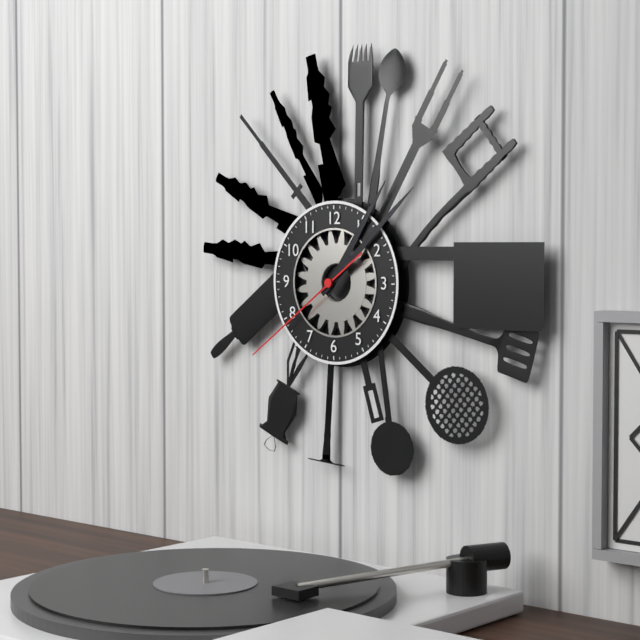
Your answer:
**1:08:39**
